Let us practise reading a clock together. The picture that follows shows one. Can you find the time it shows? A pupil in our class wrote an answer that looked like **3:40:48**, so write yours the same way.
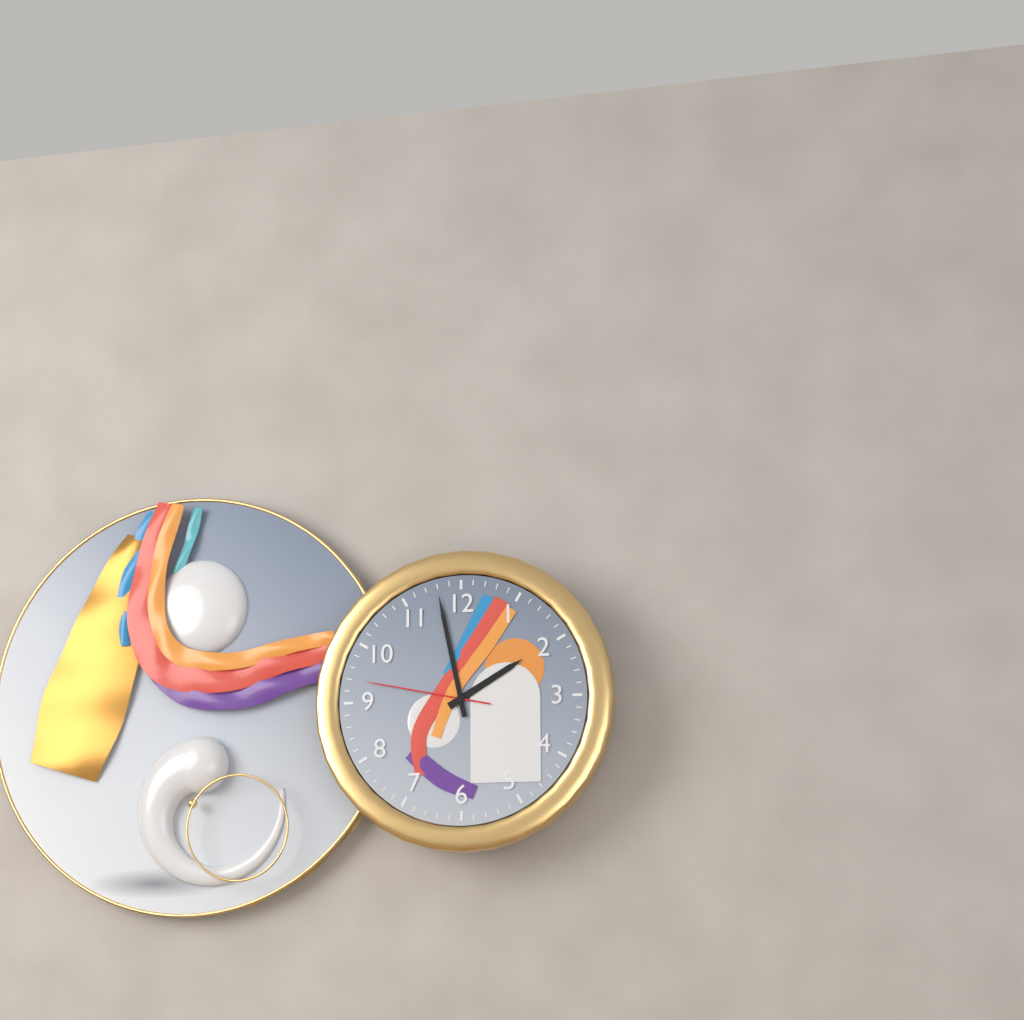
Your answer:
**1:58:47**
